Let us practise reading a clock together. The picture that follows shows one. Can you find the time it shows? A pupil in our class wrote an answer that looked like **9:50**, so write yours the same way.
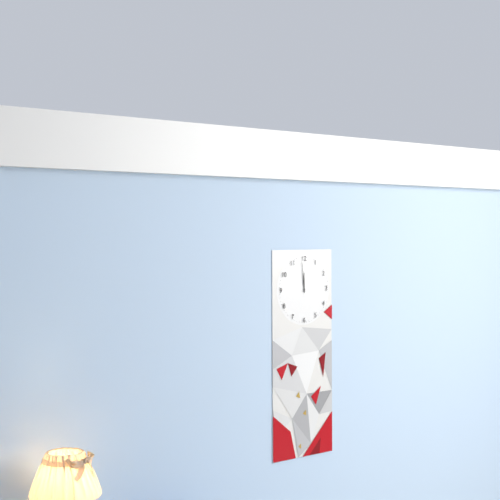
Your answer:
**11:59**
